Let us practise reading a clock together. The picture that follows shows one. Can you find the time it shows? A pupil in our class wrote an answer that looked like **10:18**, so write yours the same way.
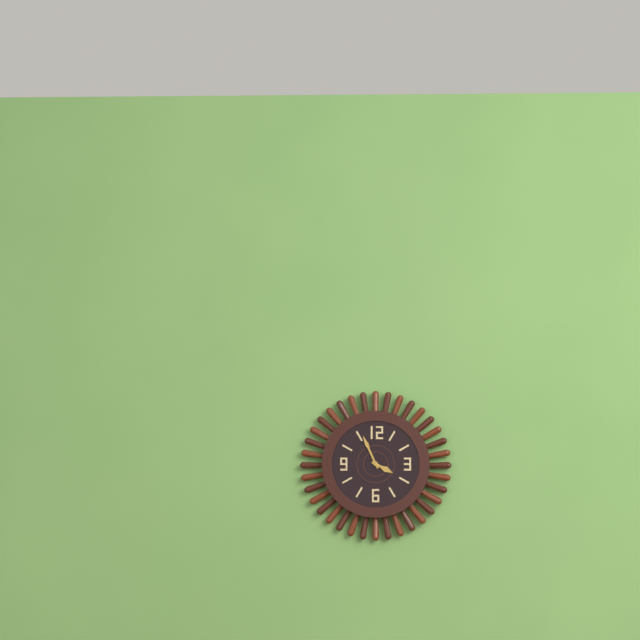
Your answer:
**3:56**
